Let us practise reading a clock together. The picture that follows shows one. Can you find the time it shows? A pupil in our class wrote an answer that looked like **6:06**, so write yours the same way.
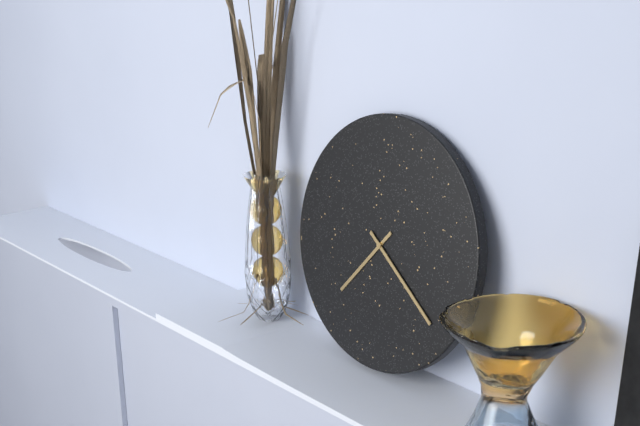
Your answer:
**7:21**
